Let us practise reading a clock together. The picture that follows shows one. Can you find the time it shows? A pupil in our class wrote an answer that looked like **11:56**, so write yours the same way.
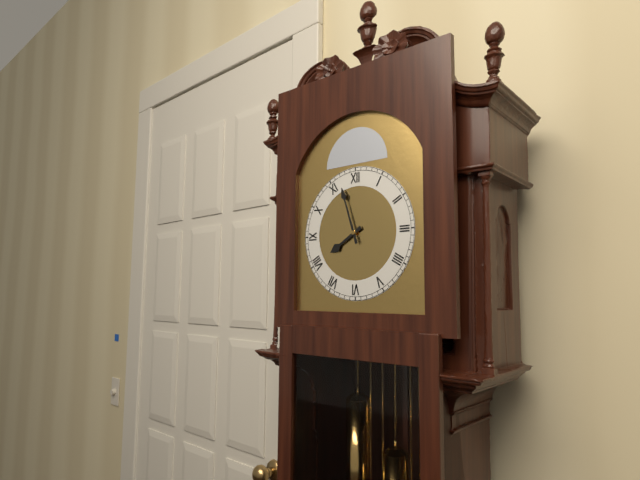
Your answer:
**7:57**
